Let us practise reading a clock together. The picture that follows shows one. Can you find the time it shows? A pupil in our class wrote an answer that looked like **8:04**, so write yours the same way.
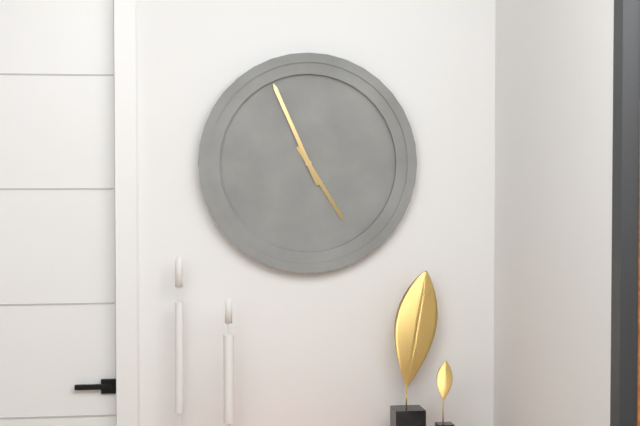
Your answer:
**4:56**
